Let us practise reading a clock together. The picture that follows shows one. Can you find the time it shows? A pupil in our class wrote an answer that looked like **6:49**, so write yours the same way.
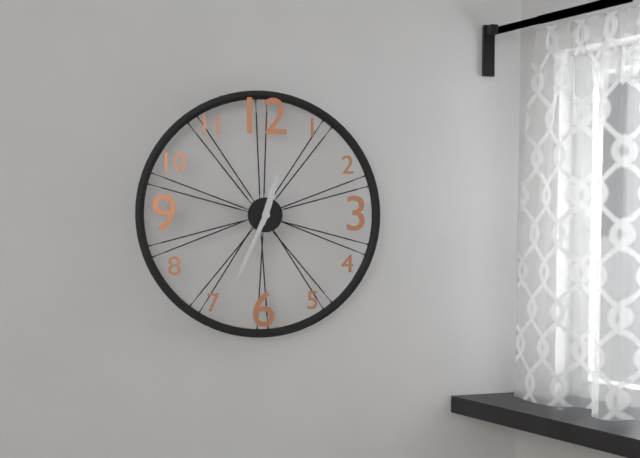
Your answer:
**12:34**
